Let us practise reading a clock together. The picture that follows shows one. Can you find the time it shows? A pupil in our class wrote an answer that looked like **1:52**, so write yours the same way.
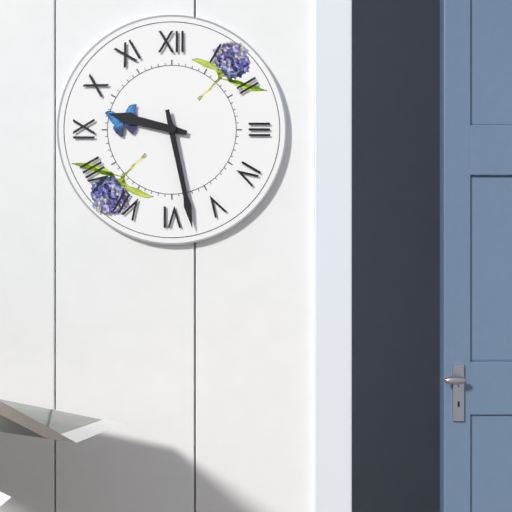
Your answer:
**9:28**
